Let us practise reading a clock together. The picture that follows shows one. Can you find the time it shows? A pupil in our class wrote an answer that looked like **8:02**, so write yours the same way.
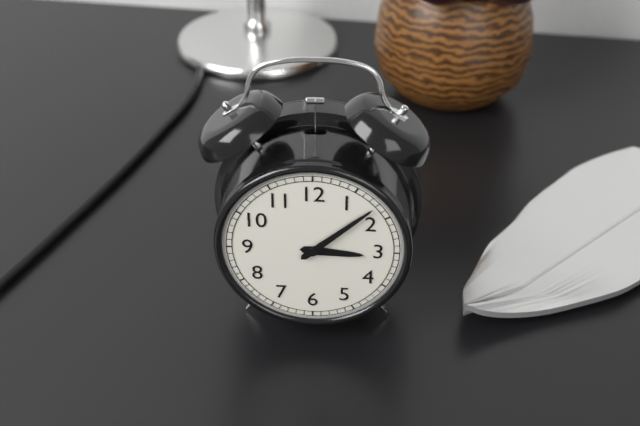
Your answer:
**3:08**
